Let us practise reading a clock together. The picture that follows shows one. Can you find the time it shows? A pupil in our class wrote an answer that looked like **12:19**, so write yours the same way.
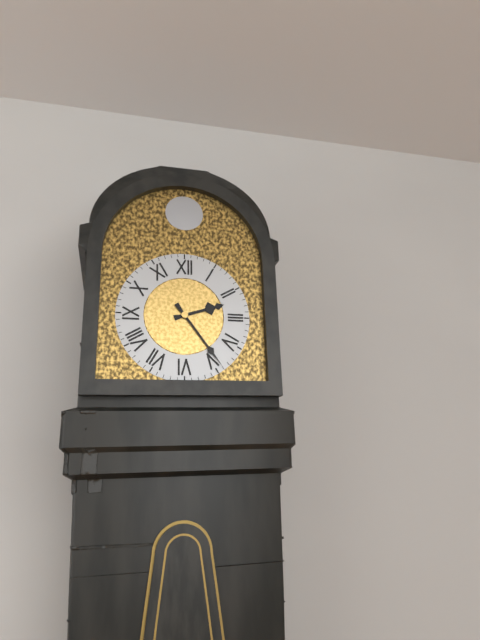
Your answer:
**2:24**
